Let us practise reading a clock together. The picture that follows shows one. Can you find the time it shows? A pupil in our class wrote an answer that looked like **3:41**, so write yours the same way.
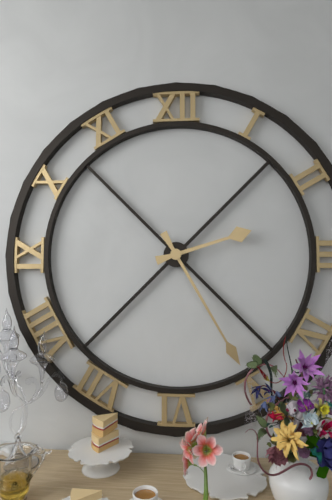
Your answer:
**2:25**
